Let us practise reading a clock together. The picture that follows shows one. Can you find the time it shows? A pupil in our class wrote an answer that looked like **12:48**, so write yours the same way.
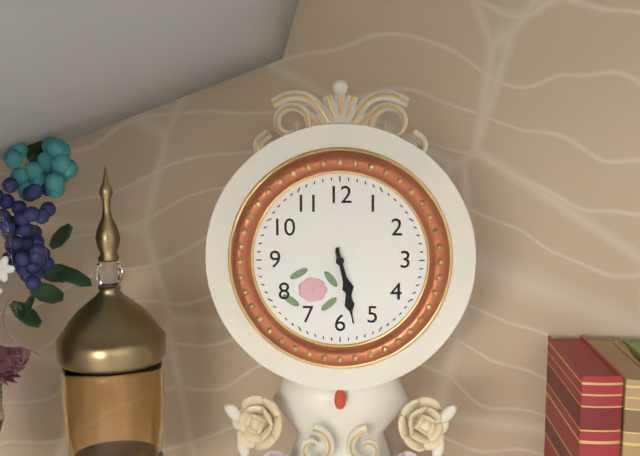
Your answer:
**5:28**
